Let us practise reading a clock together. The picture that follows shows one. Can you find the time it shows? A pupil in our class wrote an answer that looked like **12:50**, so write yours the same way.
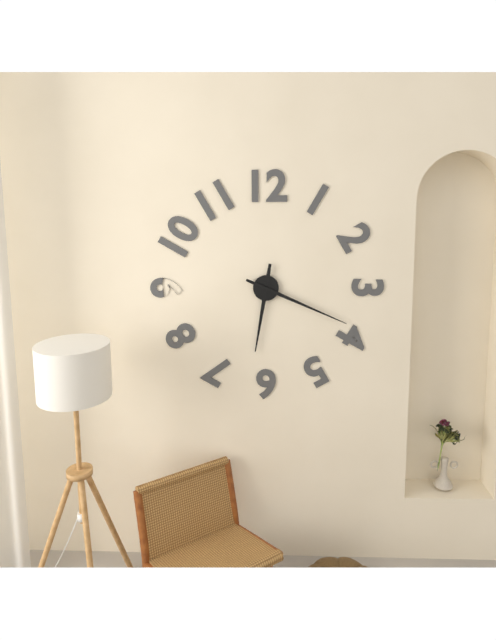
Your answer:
**6:19**
